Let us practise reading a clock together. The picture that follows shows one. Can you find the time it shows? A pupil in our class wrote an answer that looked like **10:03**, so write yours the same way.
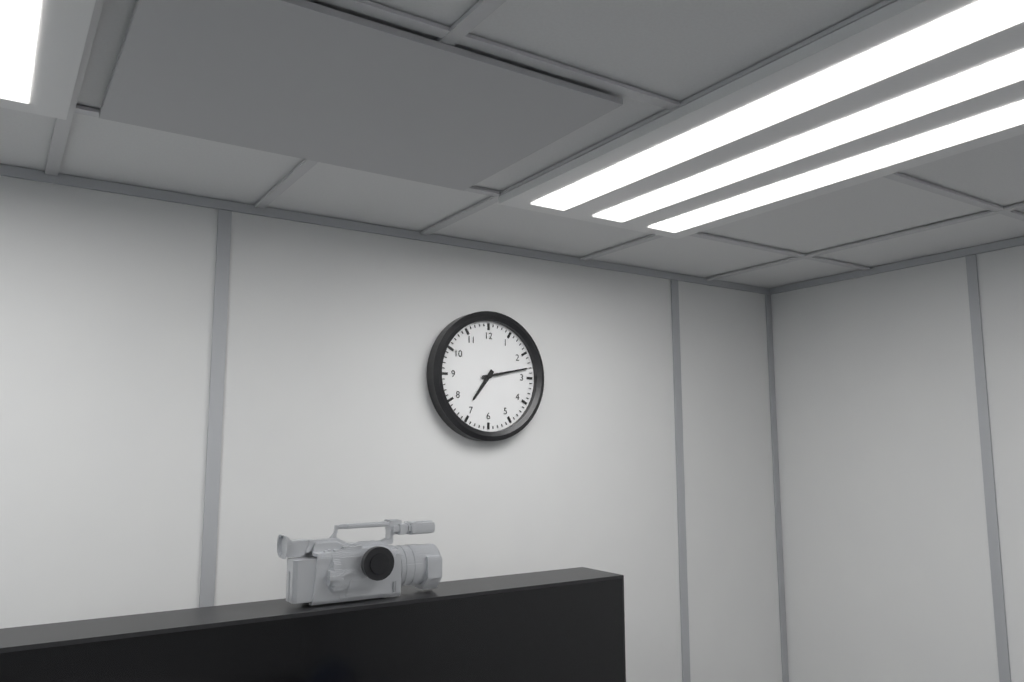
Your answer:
**7:13**
